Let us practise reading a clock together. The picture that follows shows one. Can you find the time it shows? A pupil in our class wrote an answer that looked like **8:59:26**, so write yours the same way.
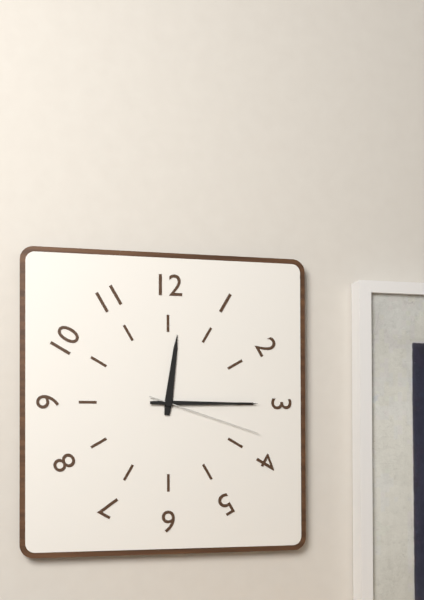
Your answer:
**12:15:18**
